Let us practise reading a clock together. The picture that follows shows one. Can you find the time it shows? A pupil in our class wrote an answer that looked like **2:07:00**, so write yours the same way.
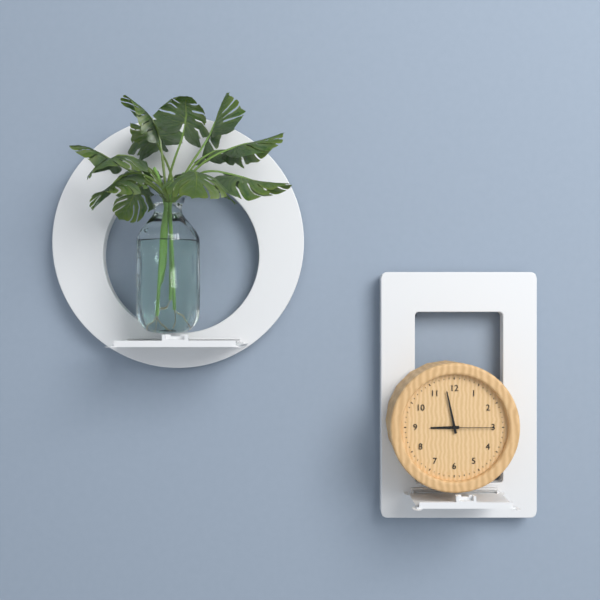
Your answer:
**8:58:15**
